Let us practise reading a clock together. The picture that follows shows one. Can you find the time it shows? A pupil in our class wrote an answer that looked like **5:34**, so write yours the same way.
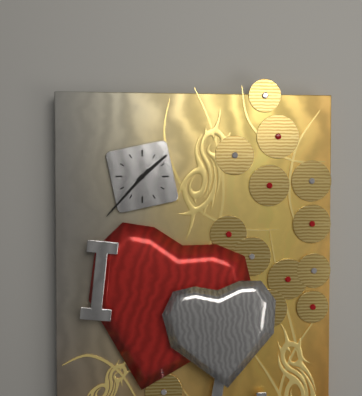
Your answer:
**1:37**
